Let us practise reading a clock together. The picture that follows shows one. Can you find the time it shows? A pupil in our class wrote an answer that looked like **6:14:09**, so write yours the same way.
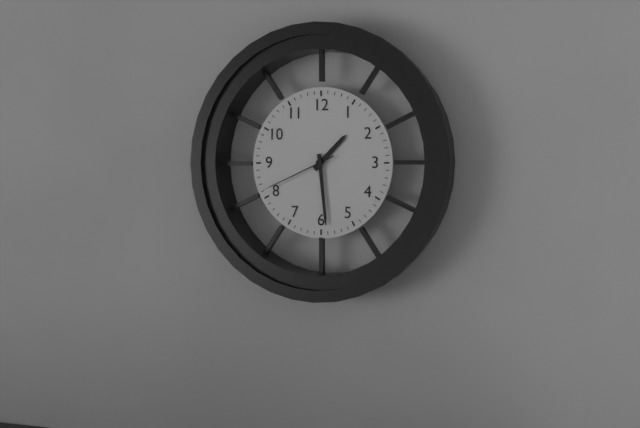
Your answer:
**1:29:41**
